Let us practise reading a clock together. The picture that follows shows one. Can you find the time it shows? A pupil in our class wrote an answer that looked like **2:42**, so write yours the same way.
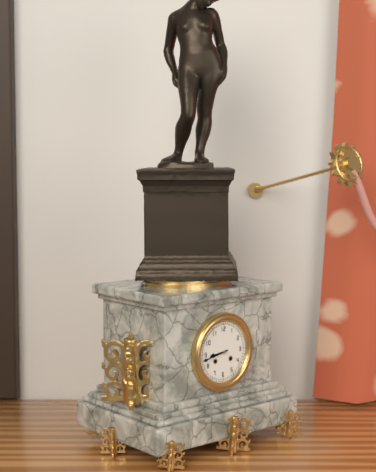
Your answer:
**8:43**
